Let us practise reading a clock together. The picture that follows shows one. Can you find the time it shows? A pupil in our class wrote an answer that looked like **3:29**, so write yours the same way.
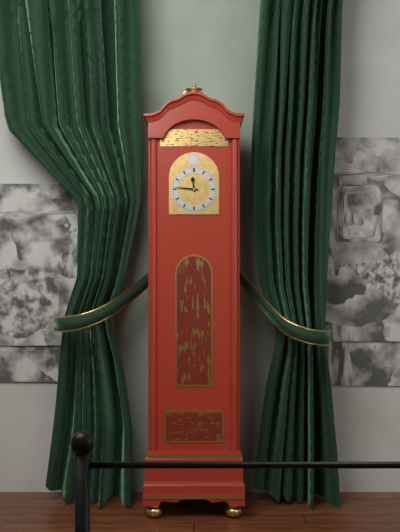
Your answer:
**11:46**
